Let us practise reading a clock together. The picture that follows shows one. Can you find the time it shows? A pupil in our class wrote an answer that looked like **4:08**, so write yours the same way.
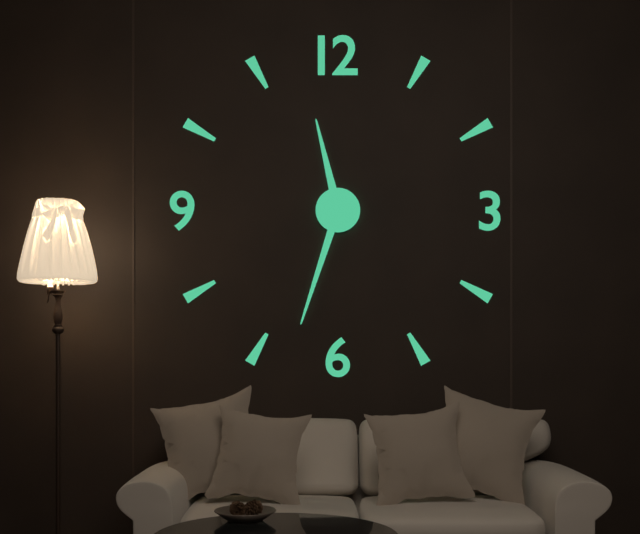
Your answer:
**11:33**
